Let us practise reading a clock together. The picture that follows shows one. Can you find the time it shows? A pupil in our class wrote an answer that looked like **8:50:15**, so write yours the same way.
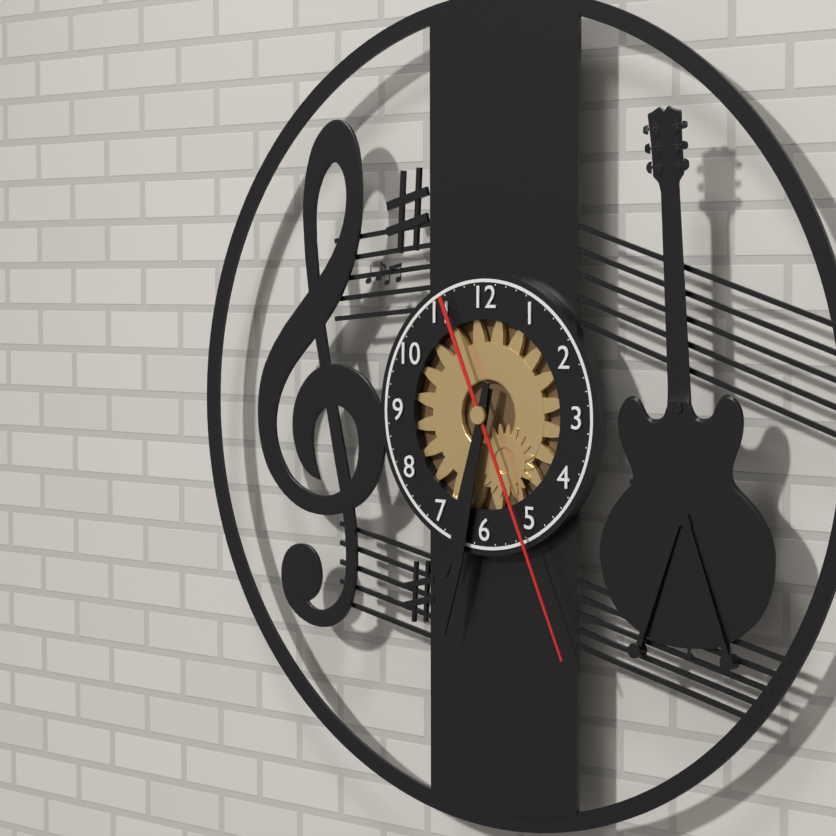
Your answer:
**6:32:26**
